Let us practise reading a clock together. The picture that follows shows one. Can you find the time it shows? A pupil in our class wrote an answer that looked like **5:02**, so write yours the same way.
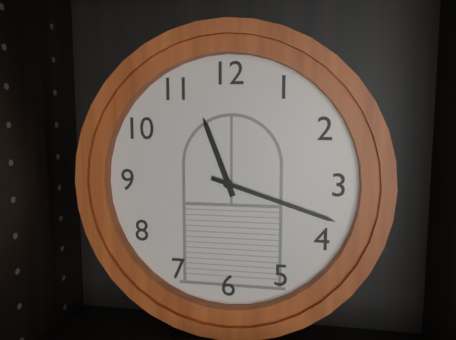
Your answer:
**11:18**
